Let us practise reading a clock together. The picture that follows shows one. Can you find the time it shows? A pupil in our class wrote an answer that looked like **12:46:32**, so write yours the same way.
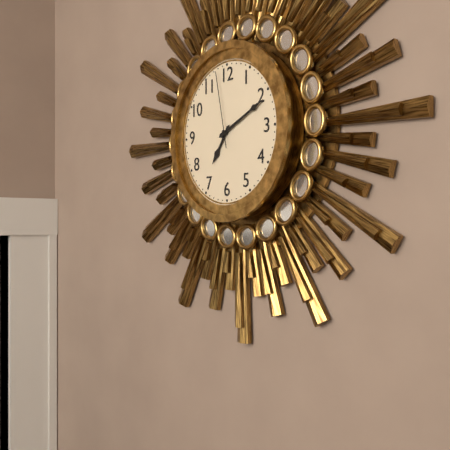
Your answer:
**7:11:58**
